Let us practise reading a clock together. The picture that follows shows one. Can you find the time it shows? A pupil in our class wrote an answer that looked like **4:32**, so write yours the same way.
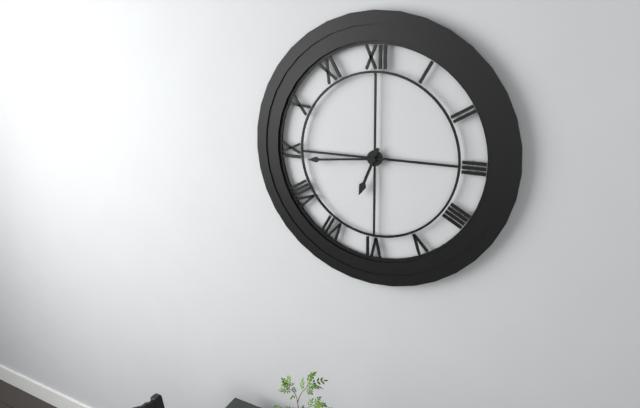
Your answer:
**6:44**
